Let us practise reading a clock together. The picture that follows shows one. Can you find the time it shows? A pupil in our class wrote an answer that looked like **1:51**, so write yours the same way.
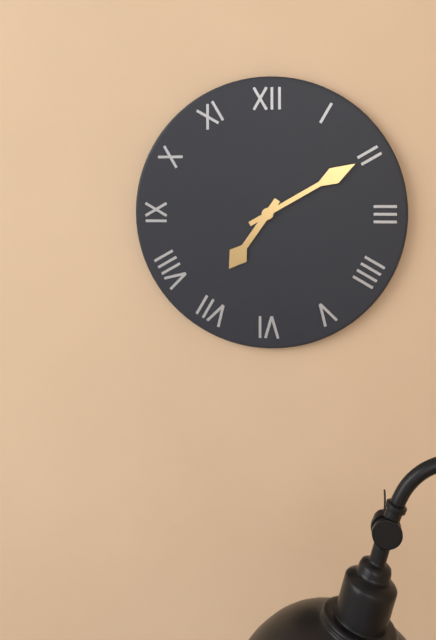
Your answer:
**7:10**
